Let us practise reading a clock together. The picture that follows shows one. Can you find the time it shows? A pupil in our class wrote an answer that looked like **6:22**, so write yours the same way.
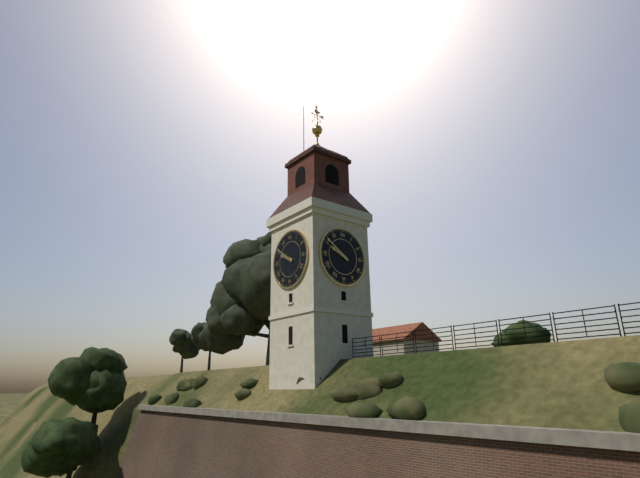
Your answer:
**9:51**
